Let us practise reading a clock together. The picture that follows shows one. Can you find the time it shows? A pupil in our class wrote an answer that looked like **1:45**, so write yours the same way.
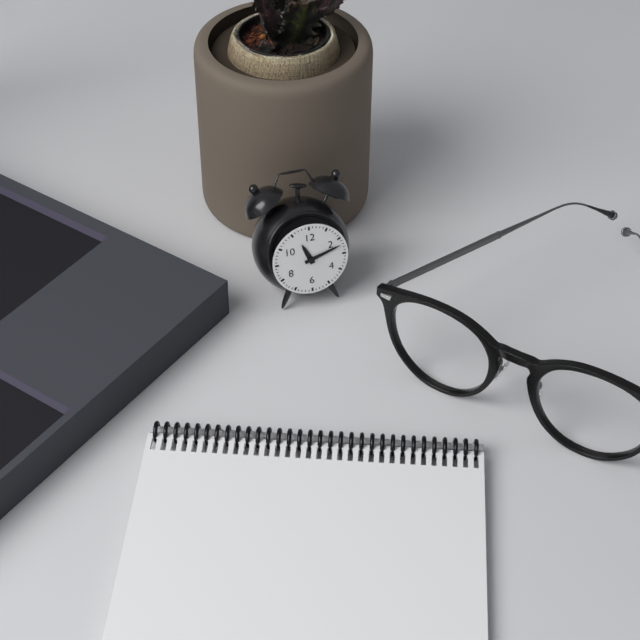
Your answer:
**11:12**
